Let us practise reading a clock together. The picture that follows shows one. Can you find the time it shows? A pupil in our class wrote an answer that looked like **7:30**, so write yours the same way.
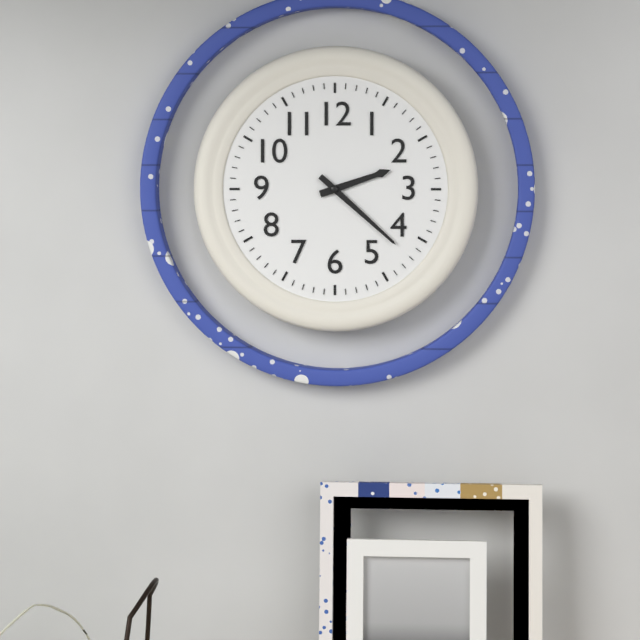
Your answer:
**2:22**
